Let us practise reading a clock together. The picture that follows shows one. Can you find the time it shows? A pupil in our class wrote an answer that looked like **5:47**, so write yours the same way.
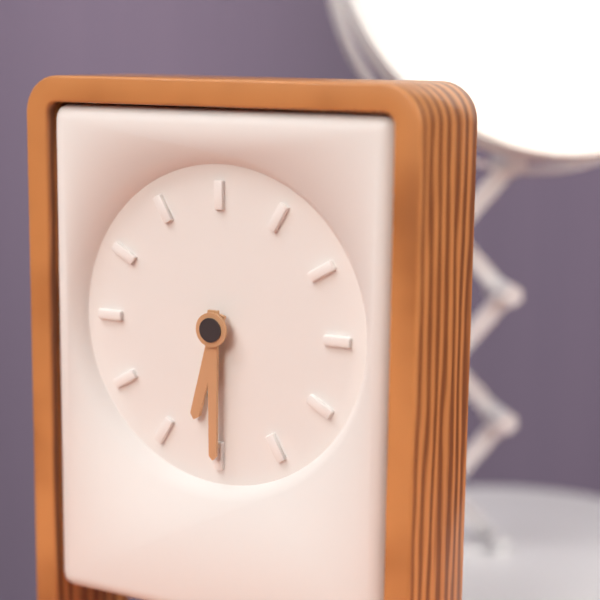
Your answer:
**6:30**
